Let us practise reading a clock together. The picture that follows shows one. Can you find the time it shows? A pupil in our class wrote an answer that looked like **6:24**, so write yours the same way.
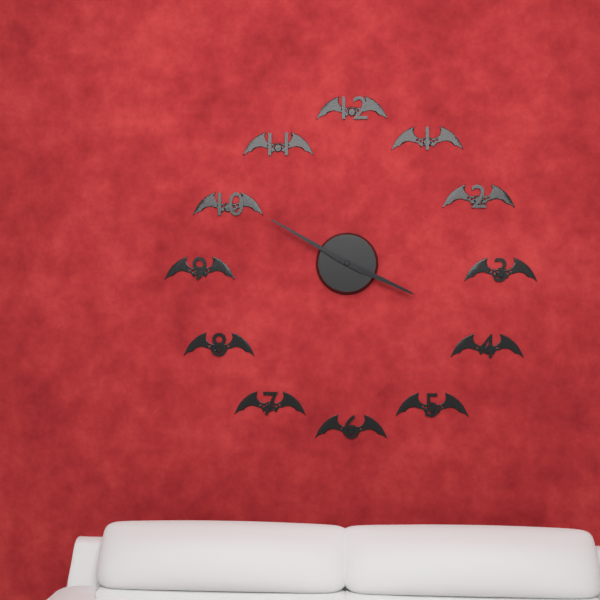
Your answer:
**3:50**
